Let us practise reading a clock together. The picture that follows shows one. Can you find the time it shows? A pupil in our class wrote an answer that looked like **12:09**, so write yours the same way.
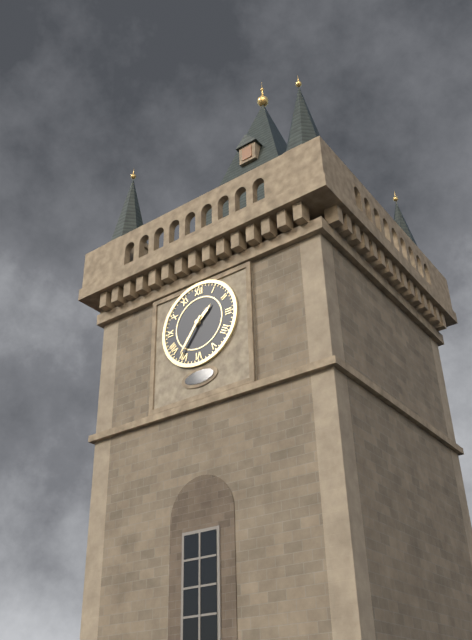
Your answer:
**1:36**
